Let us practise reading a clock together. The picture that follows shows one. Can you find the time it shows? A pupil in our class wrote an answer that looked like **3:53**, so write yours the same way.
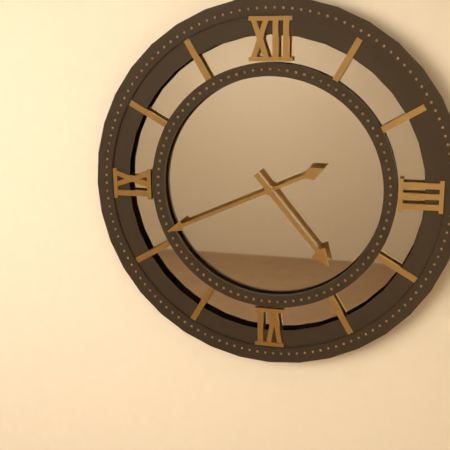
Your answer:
**4:41**
